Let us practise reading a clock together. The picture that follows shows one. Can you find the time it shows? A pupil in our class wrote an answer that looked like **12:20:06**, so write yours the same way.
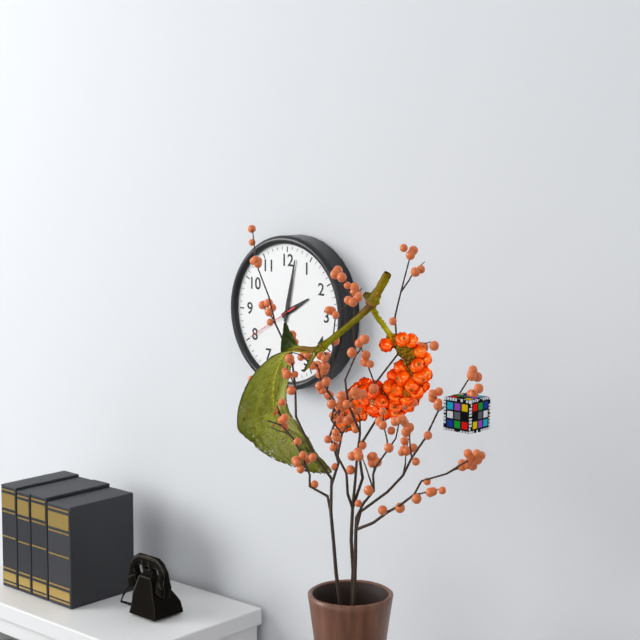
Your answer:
**2:02:40**
